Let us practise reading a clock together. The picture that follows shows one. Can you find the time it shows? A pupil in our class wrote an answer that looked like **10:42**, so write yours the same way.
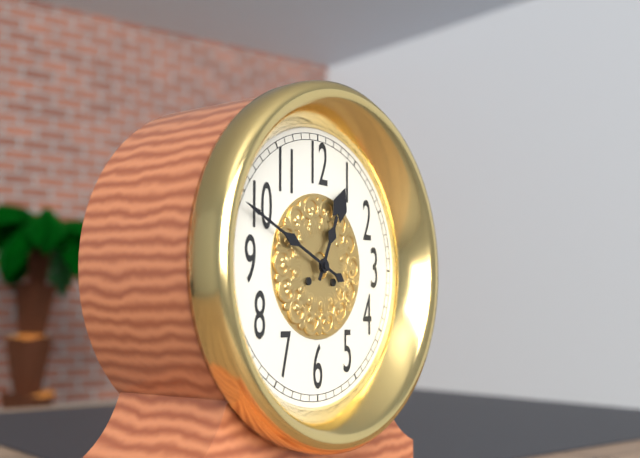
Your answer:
**12:49**
